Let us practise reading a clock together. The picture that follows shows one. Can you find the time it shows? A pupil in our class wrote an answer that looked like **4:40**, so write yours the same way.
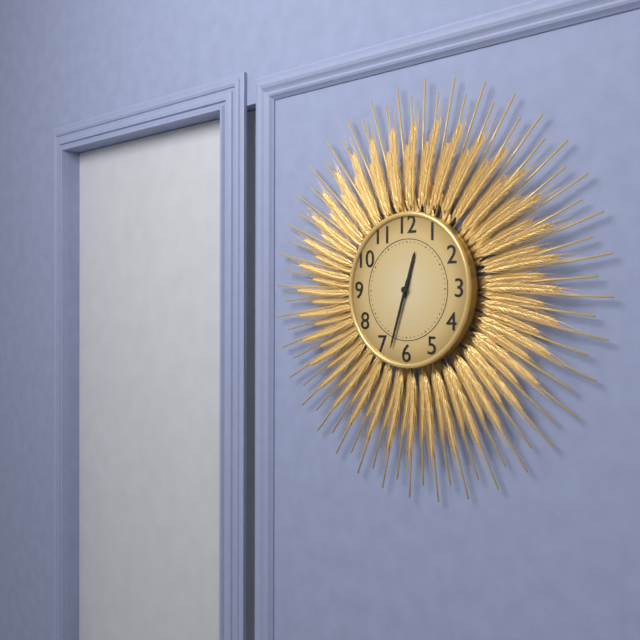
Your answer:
**12:33**
